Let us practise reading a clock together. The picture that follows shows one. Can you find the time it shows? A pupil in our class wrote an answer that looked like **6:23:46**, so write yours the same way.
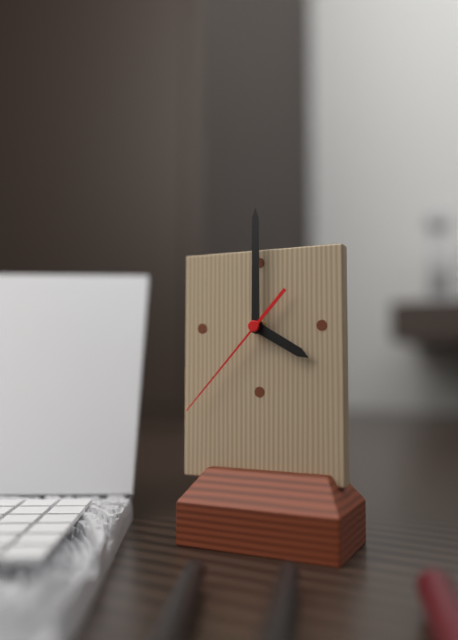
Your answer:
**4:00:37**
